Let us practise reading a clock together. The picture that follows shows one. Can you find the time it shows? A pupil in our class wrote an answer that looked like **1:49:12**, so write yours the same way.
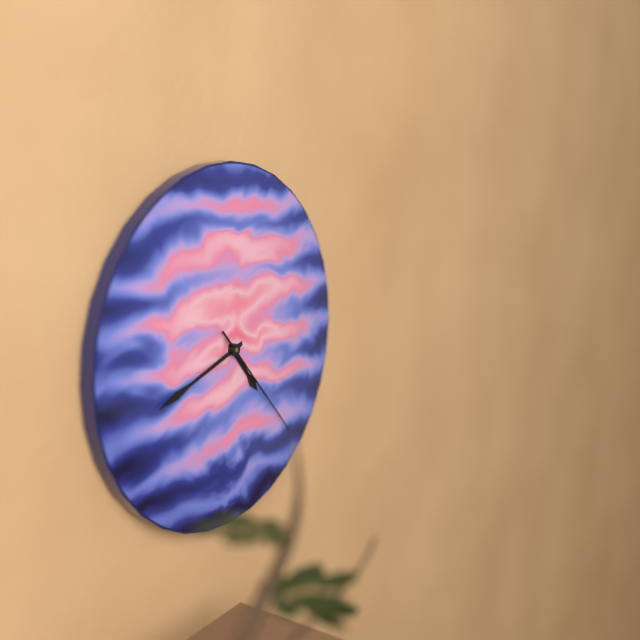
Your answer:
**4:42:23**
